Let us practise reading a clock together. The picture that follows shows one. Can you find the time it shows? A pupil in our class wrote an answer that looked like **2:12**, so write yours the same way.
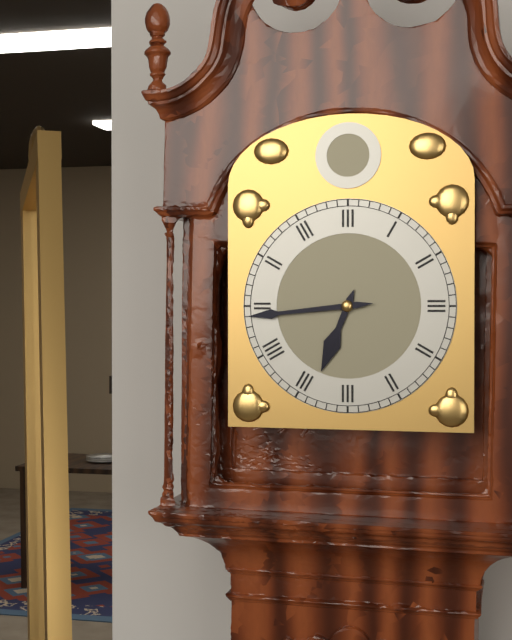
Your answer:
**6:44**
